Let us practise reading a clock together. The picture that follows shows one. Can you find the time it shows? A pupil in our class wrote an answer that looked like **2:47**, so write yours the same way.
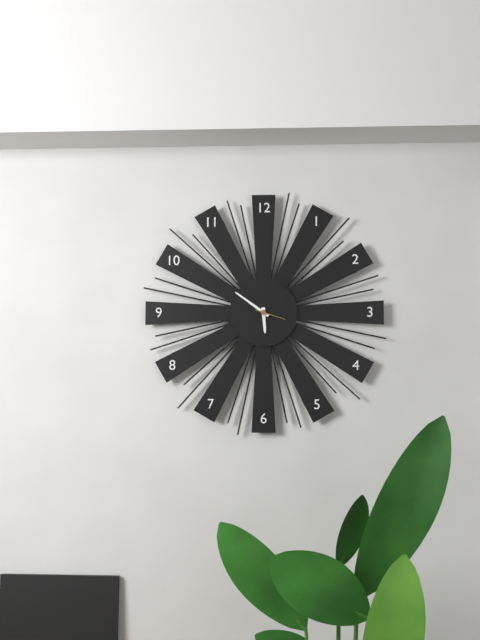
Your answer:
**5:51**
